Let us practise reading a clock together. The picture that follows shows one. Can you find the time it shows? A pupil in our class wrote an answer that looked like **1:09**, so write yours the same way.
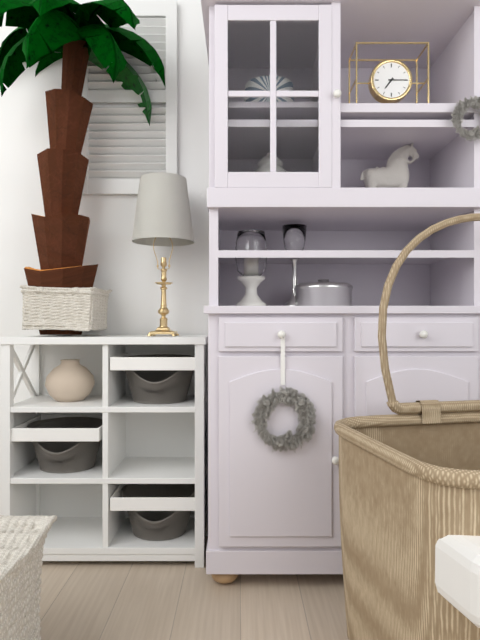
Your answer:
**7:15**
